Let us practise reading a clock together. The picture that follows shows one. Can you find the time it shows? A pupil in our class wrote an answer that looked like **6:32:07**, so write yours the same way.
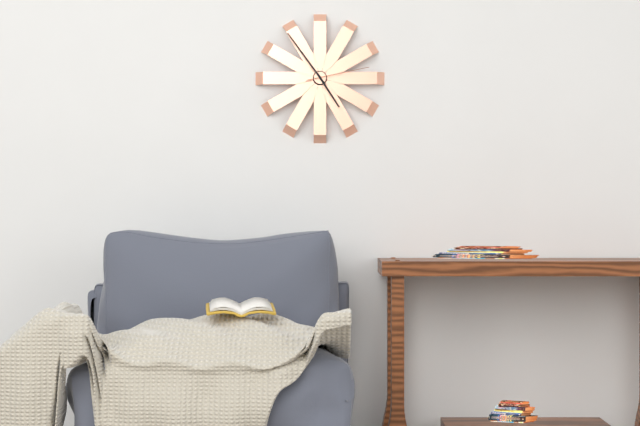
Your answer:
**4:54:13**
